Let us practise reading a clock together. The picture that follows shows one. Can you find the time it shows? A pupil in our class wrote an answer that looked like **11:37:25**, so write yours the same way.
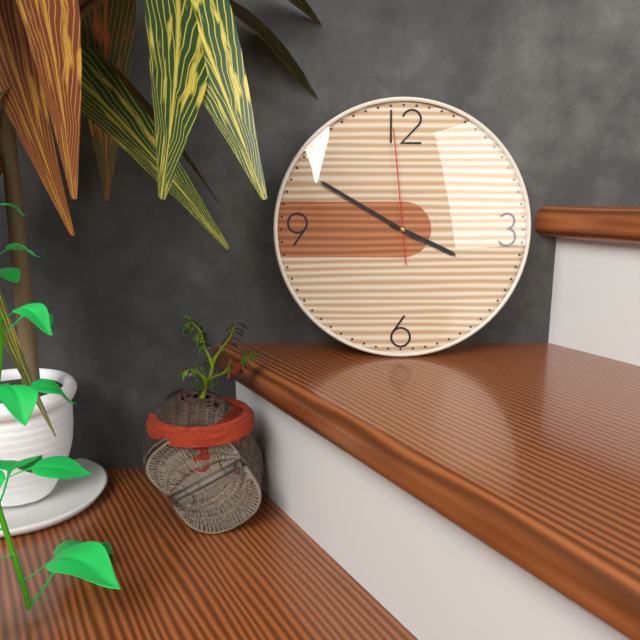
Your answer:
**3:50:59**
